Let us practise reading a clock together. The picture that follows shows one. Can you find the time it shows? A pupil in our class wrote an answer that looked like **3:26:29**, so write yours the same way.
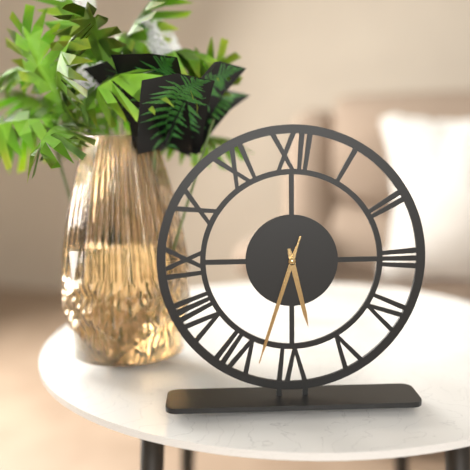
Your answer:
**5:33:33**
